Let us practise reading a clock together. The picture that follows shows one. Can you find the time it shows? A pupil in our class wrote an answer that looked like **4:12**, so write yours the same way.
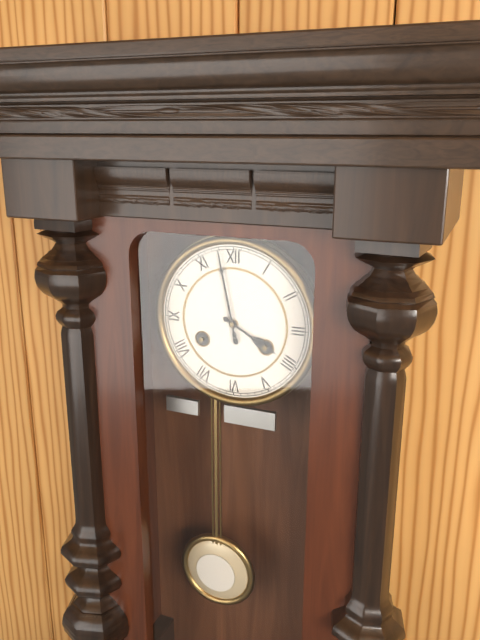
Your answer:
**3:58**
